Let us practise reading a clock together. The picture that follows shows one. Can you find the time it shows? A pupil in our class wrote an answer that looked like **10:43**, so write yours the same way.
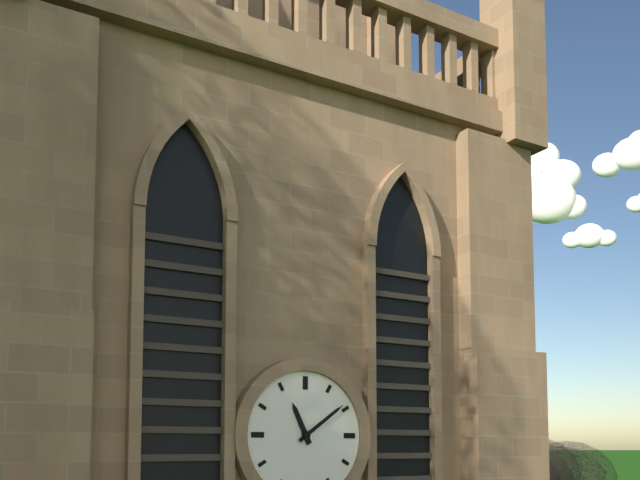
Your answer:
**11:09**
